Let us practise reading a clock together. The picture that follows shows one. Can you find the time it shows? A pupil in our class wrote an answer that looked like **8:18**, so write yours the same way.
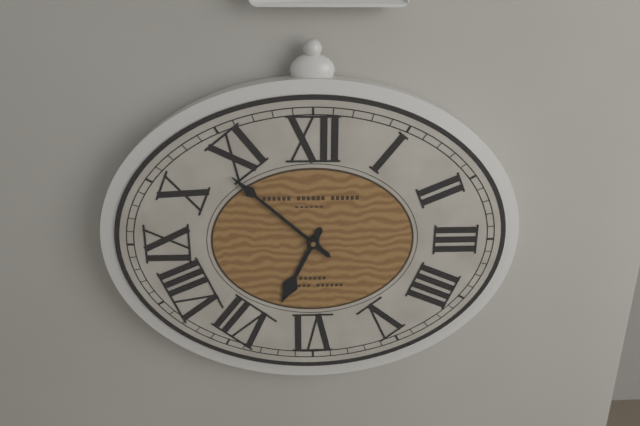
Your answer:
**6:52**
